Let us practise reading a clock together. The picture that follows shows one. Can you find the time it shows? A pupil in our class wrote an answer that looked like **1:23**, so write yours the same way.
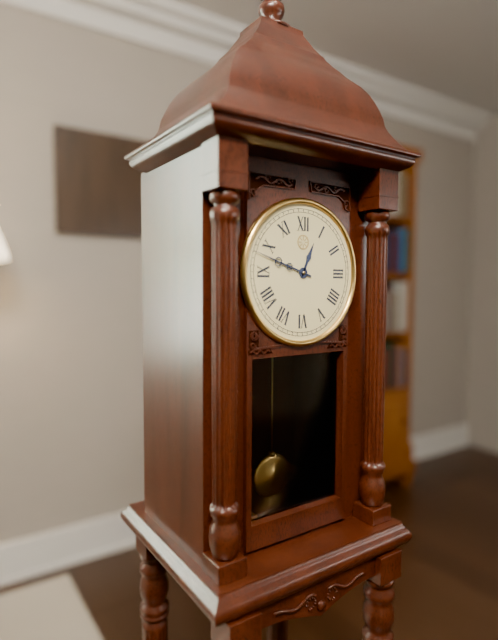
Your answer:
**12:48**
